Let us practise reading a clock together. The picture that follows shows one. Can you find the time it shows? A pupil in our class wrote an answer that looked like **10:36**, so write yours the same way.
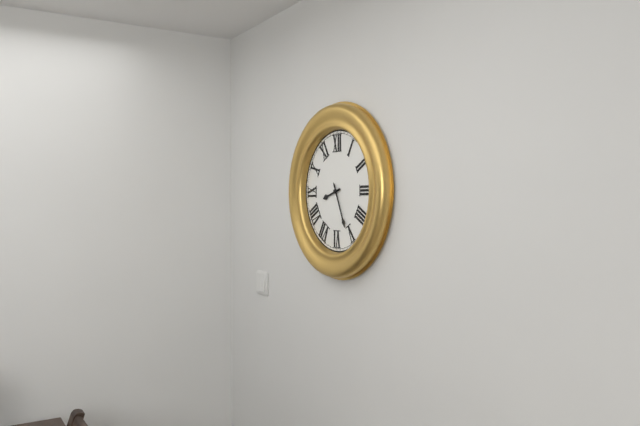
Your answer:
**8:26**
